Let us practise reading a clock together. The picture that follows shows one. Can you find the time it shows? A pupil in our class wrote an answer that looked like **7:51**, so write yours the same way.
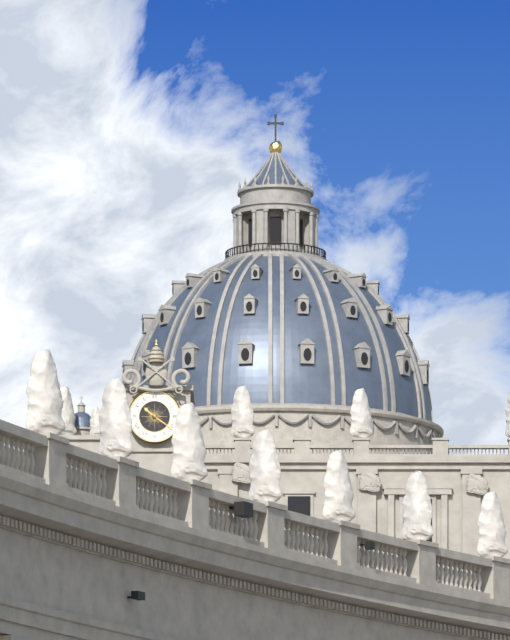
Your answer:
**10:21**
